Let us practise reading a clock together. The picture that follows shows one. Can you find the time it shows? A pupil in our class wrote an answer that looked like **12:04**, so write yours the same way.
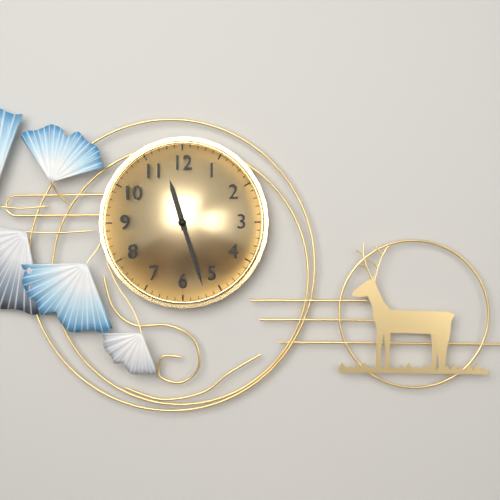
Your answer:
**11:27**
